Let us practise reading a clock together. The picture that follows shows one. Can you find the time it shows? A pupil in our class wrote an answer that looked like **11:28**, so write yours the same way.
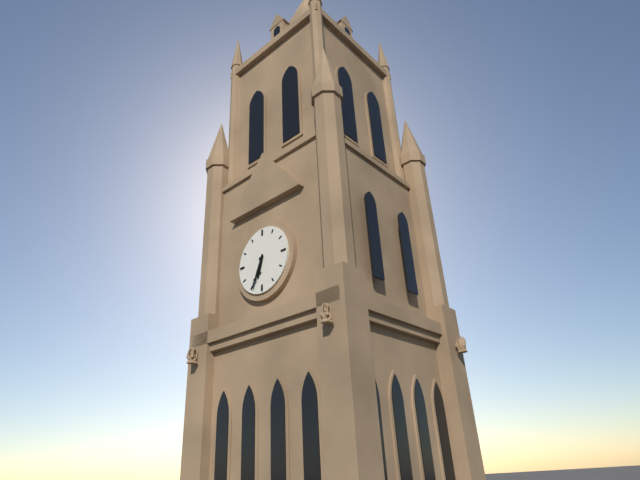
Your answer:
**6:34**
